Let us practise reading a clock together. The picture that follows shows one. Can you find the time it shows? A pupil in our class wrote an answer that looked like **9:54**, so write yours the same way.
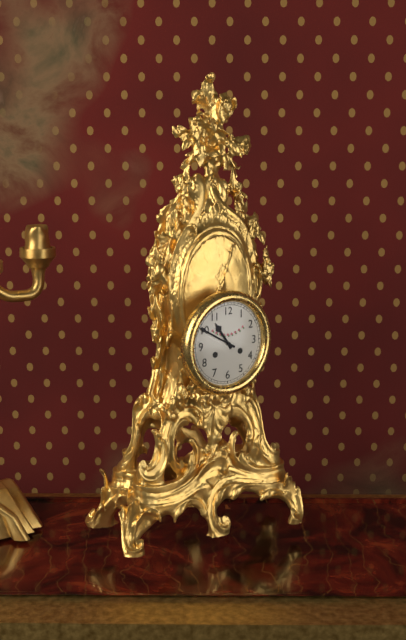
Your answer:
**10:50**
